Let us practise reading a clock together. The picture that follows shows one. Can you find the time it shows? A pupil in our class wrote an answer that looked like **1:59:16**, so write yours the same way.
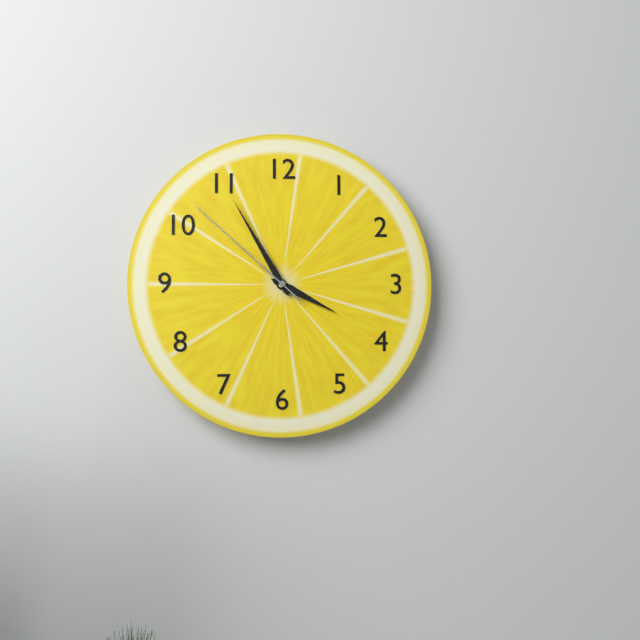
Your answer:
**3:55:52**
